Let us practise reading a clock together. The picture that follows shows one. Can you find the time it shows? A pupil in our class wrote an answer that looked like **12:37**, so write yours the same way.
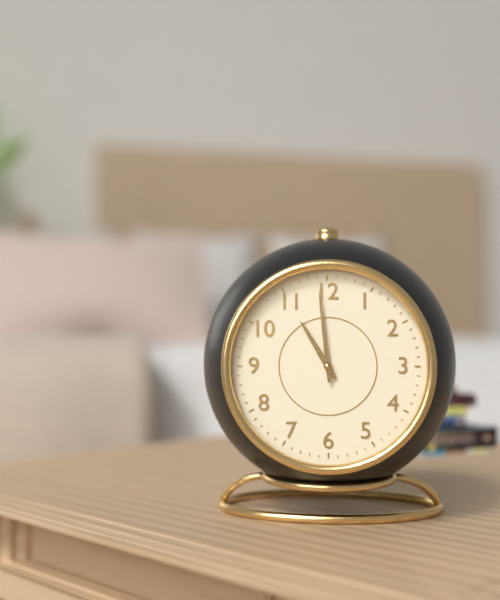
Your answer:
**10:59**
